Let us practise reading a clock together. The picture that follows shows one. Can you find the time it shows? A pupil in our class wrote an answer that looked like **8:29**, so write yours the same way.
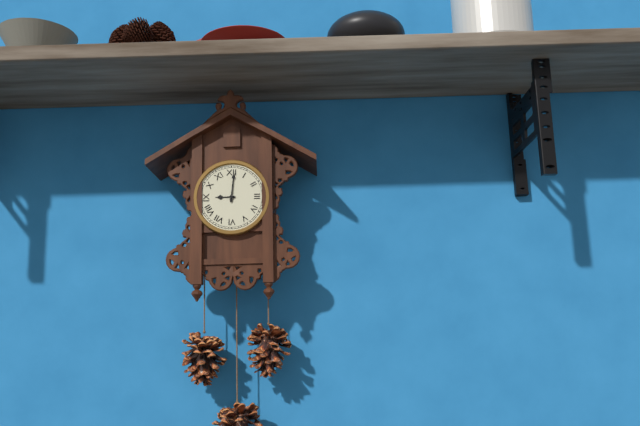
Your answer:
**9:01**
